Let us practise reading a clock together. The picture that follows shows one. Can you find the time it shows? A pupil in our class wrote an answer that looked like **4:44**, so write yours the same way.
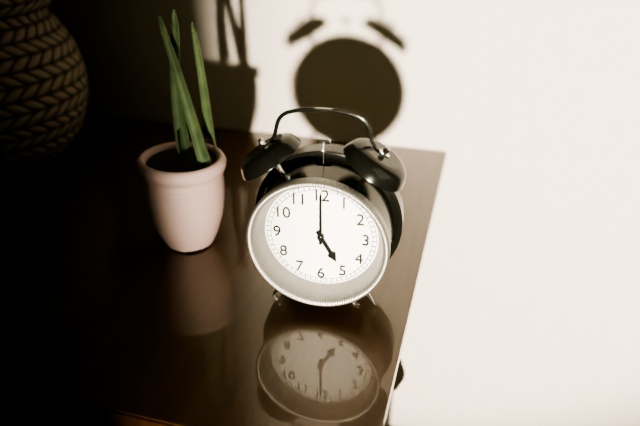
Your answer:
**5:00**
